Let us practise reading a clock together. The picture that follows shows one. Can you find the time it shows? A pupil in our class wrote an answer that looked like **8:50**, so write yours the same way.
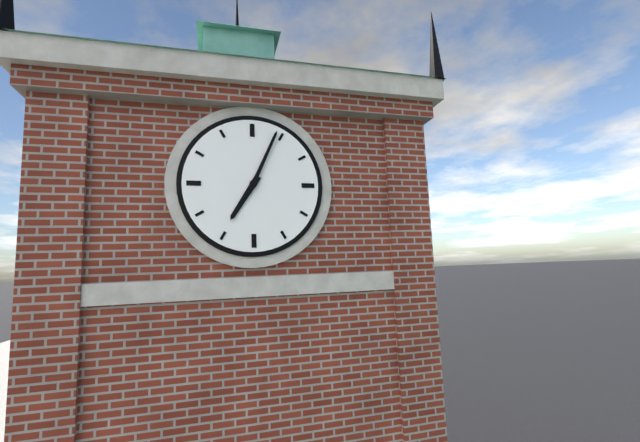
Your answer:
**7:04**
